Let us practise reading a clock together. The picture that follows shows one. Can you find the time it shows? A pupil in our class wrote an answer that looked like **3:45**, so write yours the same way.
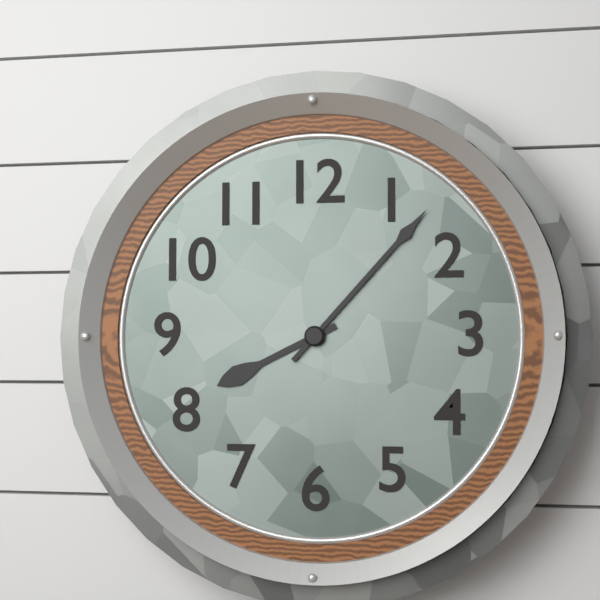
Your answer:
**8:07**
